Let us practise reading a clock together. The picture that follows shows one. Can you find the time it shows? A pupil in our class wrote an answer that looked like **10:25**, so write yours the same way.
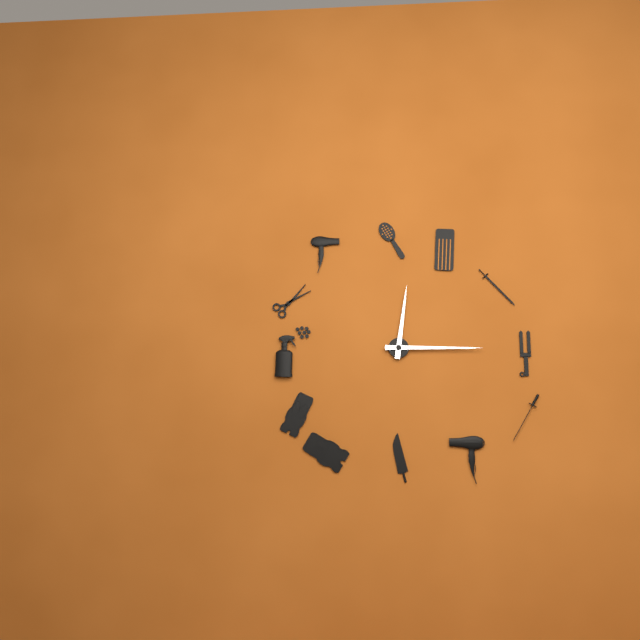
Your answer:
**12:15**
